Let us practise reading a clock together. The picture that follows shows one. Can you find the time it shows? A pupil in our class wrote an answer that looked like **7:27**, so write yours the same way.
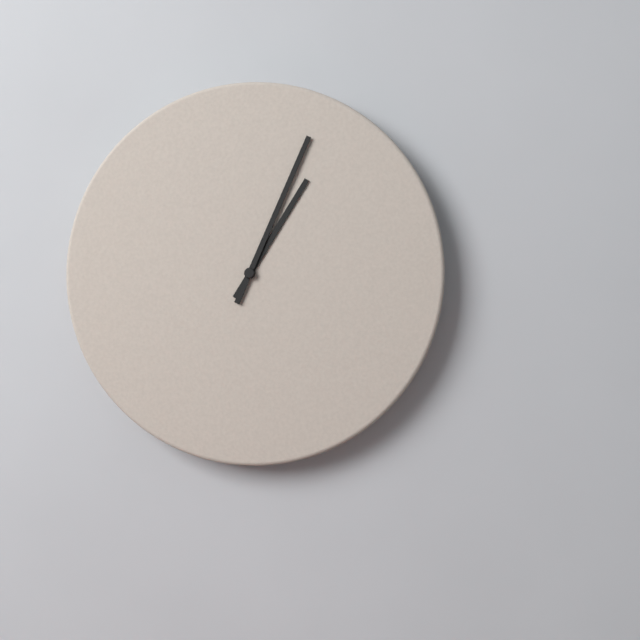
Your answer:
**1:04**
